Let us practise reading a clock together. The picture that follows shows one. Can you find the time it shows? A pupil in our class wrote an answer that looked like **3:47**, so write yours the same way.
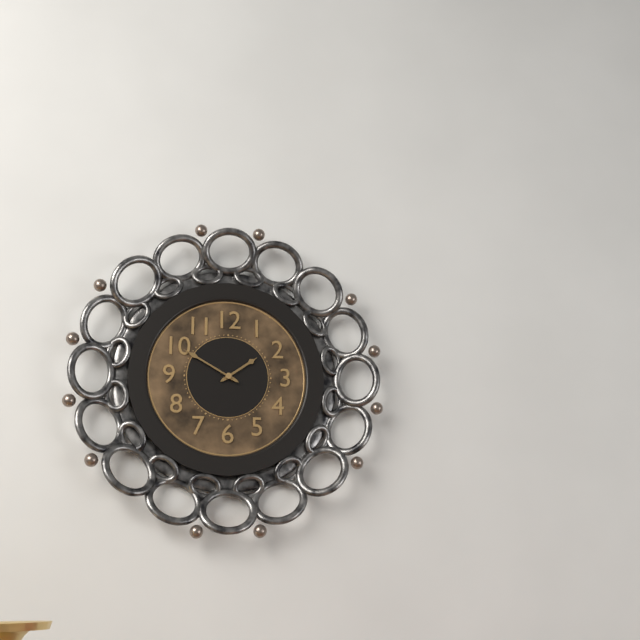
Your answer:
**1:50**
